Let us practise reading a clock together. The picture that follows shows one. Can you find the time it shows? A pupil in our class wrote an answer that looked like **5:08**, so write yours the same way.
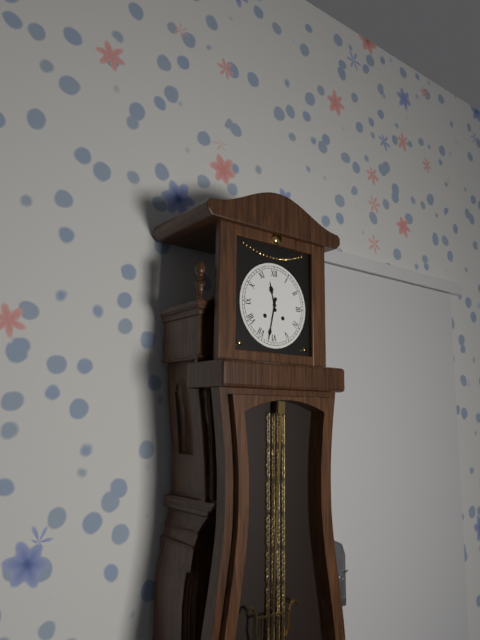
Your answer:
**11:32**
